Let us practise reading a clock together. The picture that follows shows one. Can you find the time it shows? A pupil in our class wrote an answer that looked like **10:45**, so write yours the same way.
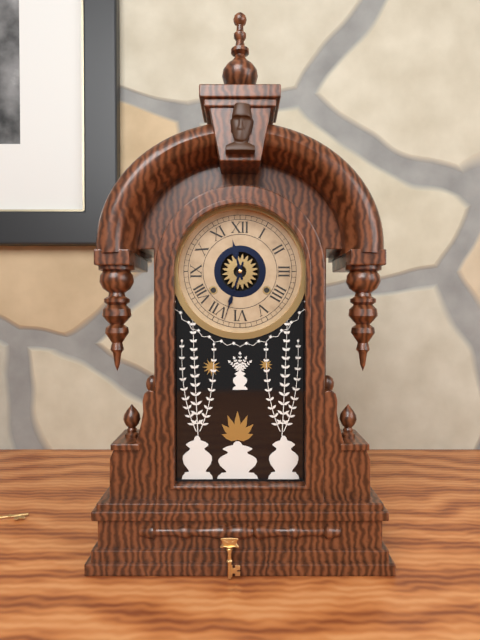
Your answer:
**11:33**
